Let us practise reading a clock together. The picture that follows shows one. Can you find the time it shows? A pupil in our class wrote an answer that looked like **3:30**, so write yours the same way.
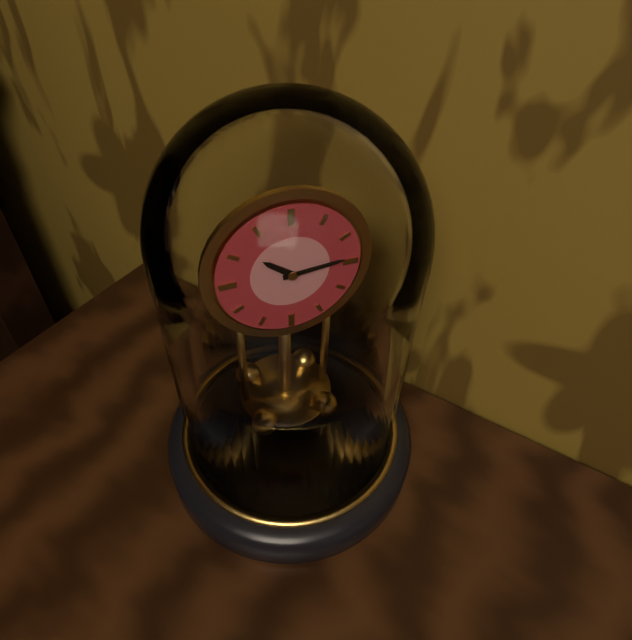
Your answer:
**10:14**
